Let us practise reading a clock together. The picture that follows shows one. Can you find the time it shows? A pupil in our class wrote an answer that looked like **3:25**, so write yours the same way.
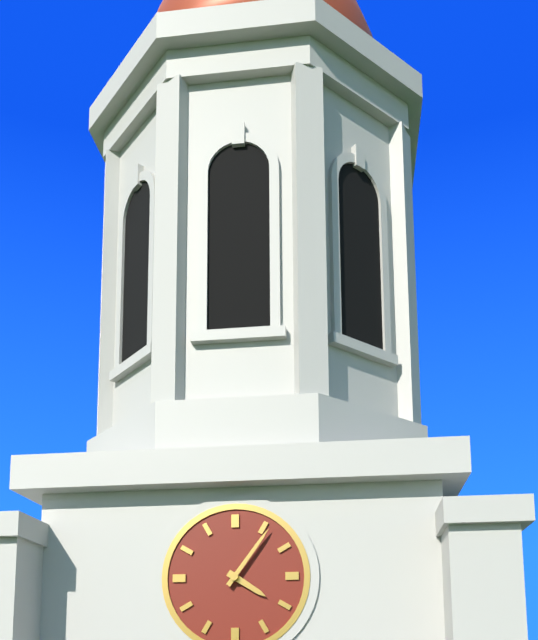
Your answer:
**4:06**
